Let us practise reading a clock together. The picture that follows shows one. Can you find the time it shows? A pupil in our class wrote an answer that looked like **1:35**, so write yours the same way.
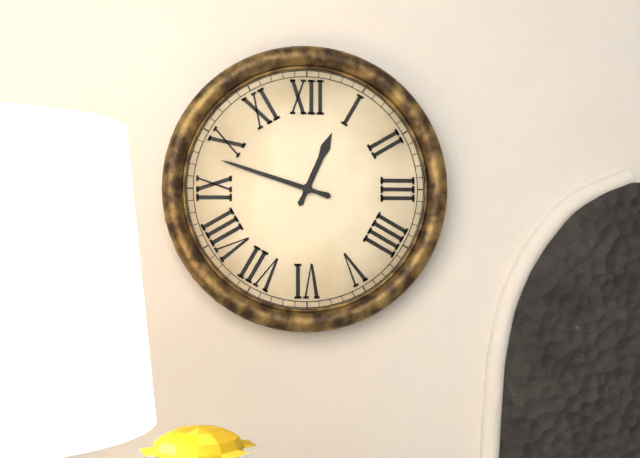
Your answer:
**12:48**
